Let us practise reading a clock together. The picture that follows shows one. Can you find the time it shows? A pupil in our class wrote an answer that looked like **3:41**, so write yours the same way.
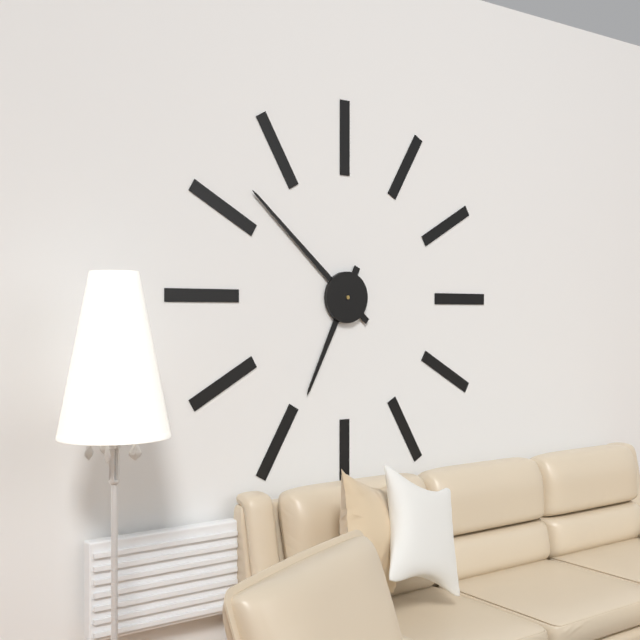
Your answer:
**6:52**
